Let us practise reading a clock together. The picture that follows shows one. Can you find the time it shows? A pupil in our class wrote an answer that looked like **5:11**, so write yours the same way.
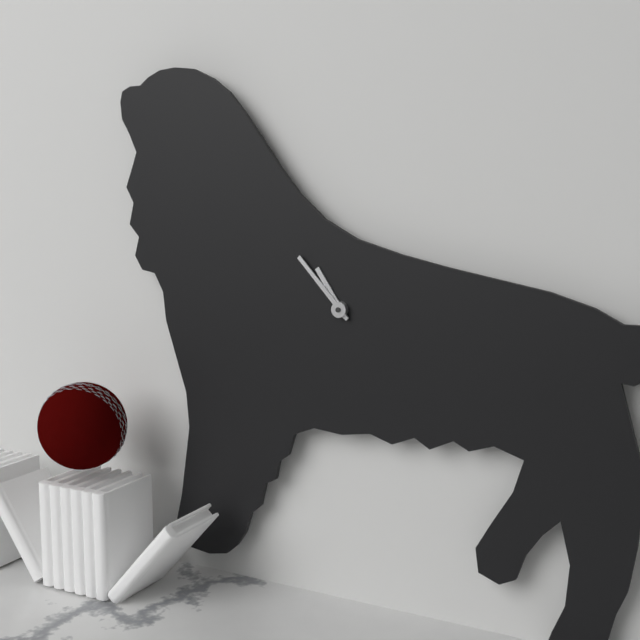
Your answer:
**10:53**
